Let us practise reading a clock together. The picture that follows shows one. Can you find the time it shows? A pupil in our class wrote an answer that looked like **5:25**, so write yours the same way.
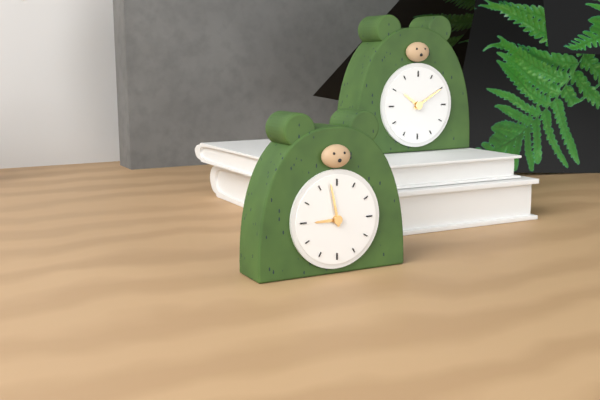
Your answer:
**8:58**
